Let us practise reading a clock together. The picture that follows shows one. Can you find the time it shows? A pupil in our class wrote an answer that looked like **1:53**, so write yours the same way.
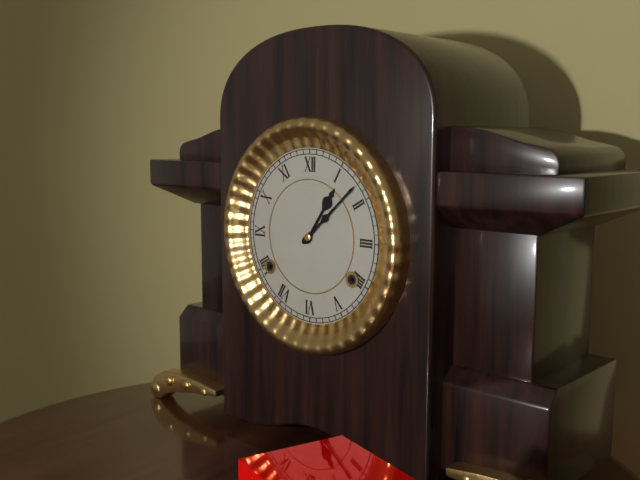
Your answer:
**1:08**
